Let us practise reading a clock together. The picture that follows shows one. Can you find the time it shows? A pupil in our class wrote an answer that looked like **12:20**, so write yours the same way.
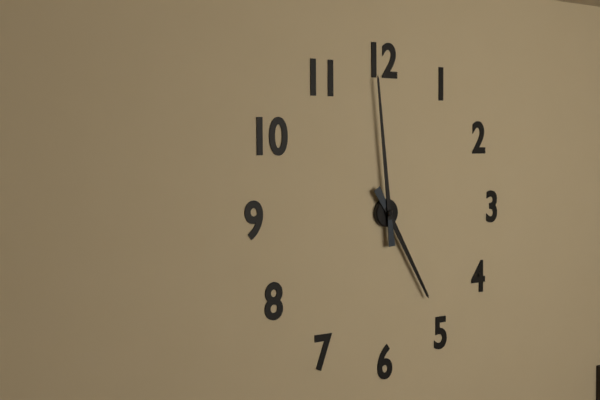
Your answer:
**4:59**
